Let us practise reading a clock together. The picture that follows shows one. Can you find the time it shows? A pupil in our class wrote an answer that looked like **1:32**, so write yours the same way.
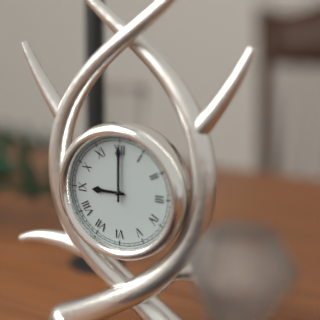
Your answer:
**9:00**
